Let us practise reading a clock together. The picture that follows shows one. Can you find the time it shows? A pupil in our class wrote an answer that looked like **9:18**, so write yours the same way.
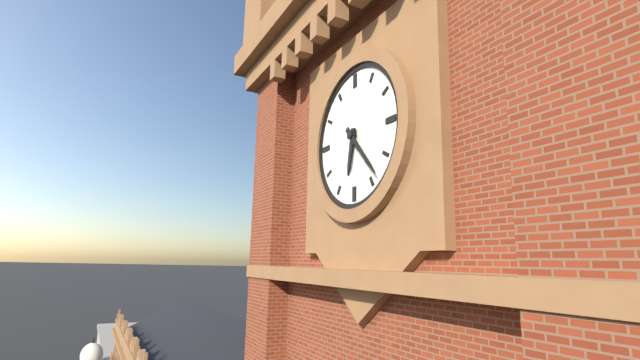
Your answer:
**6:23**
